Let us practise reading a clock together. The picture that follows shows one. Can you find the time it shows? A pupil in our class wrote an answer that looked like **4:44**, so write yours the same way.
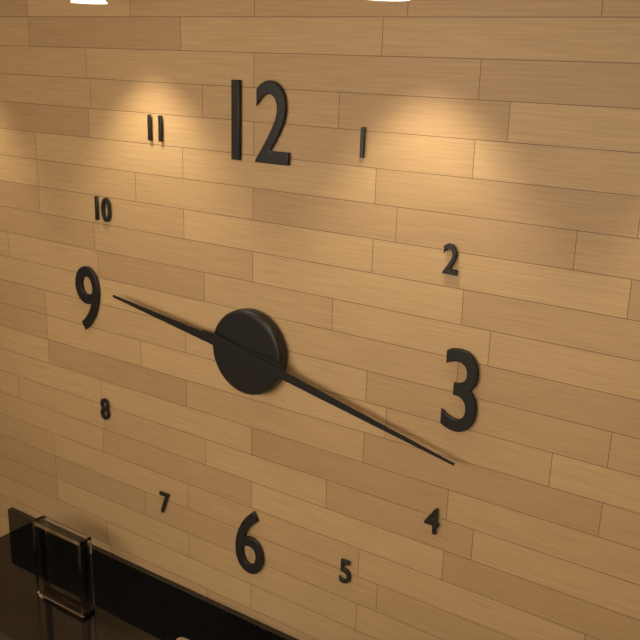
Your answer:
**9:17**
